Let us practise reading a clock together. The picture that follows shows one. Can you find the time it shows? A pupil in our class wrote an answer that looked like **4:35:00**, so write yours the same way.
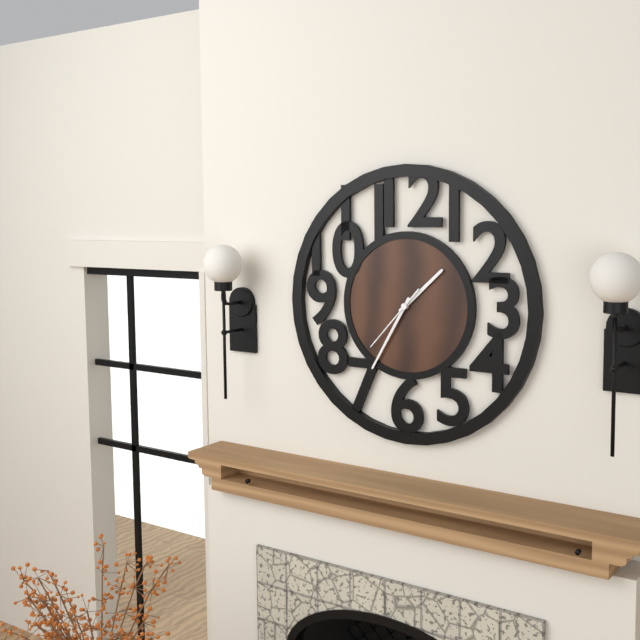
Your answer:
**1:35:37**
